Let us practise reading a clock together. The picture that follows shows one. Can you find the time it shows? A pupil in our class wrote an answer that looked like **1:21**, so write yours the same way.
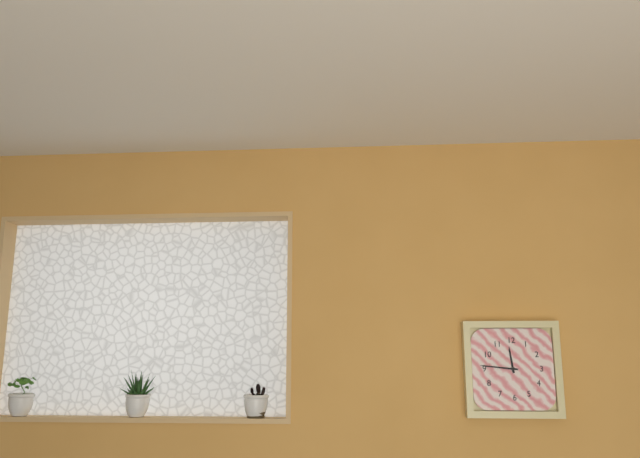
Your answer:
**11:46**
